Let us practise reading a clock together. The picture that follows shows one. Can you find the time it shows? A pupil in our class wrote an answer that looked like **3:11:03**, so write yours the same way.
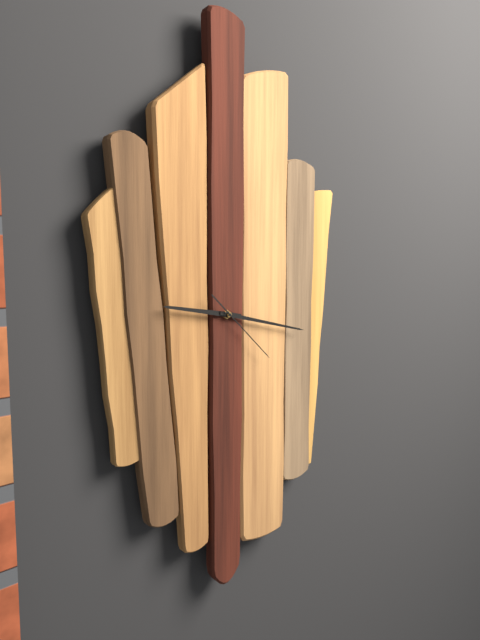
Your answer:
**9:17:22**
